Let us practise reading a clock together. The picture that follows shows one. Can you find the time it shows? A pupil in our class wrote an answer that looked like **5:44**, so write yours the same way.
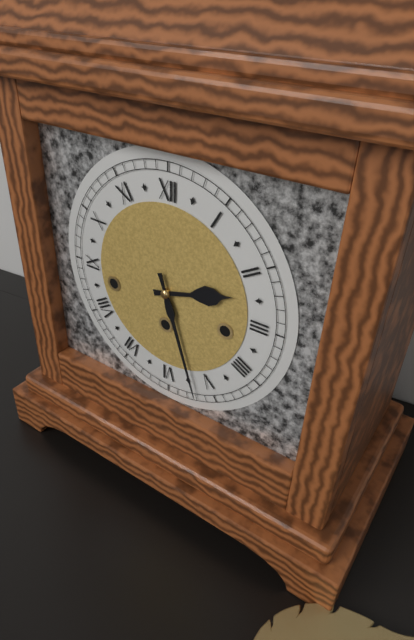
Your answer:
**2:27**
